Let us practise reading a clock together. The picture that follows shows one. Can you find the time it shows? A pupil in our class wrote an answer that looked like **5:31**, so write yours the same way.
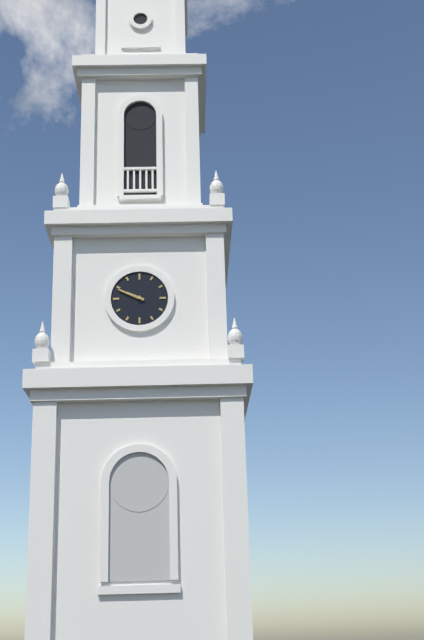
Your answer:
**9:49**
